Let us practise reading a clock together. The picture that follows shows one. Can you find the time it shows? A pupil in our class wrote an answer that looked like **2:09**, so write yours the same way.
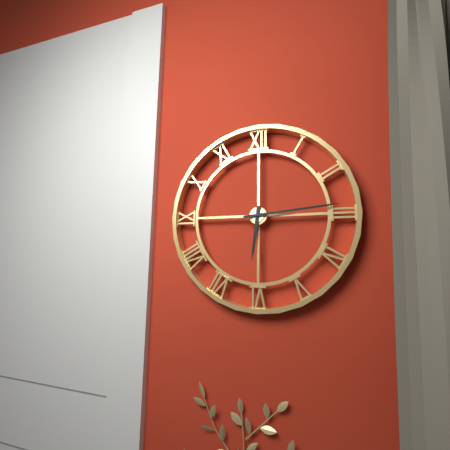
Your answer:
**6:14**
